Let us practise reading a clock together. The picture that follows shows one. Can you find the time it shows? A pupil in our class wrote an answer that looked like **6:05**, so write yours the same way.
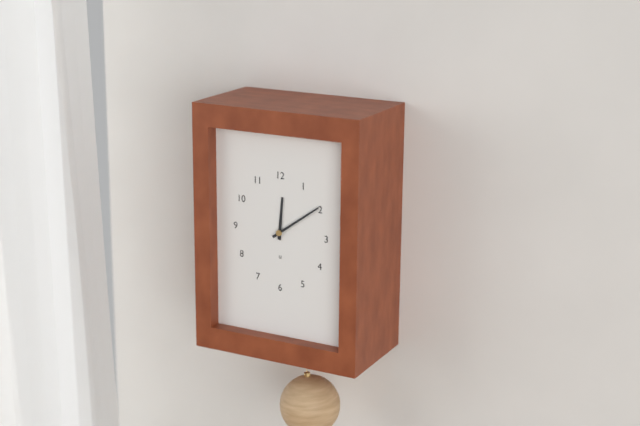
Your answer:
**12:09**
